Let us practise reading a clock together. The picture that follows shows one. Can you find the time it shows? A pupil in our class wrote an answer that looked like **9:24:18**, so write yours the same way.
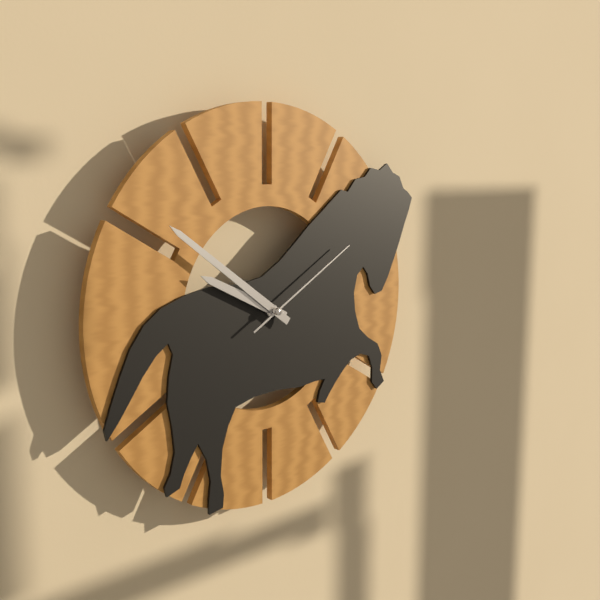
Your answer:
**9:51:10**
